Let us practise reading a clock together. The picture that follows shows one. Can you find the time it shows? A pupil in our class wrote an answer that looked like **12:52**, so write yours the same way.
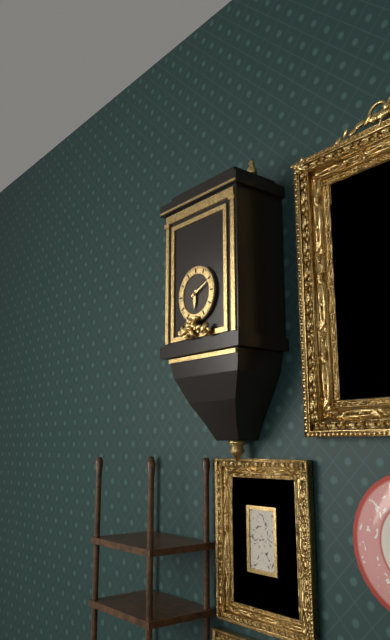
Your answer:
**6:11**
